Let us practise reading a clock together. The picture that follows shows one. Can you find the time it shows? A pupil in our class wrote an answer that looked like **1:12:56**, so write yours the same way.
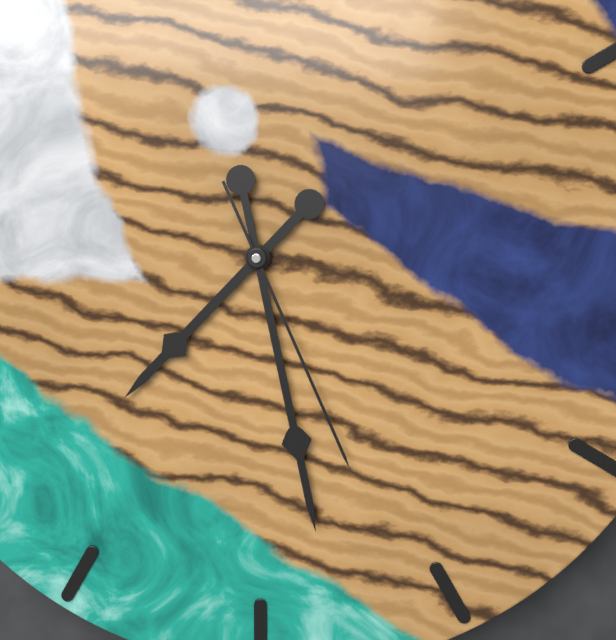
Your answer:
**7:28:26**
